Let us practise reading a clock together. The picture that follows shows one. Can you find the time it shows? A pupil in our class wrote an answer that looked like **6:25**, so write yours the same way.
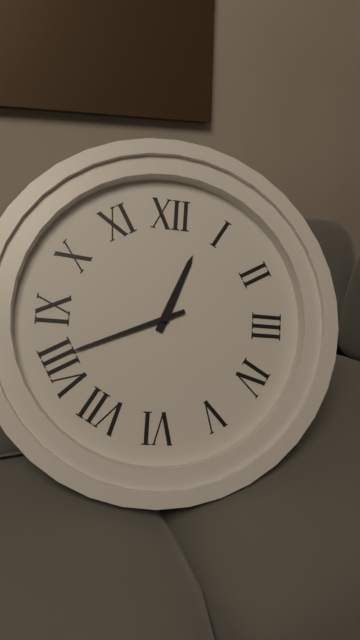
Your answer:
**12:41**
